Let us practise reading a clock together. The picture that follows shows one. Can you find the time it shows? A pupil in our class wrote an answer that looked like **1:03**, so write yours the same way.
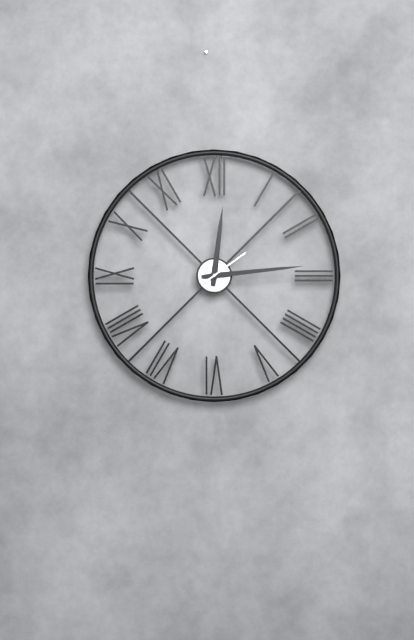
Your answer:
**12:14**
